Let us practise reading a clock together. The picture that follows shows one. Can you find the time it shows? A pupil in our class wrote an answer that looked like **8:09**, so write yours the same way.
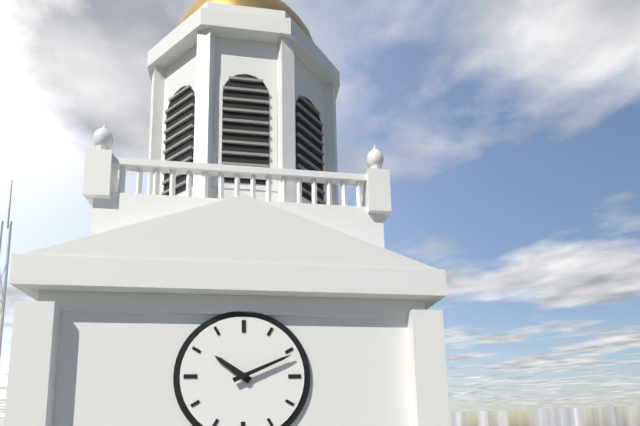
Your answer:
**10:11**
